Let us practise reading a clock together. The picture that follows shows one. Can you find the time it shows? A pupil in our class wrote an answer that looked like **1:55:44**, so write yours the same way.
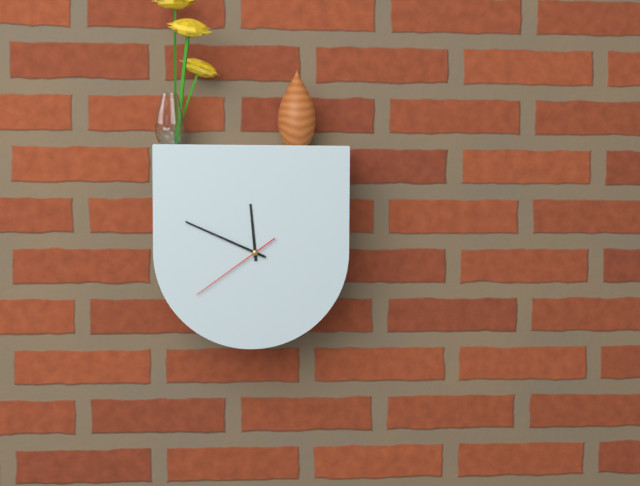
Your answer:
**11:49:39**
